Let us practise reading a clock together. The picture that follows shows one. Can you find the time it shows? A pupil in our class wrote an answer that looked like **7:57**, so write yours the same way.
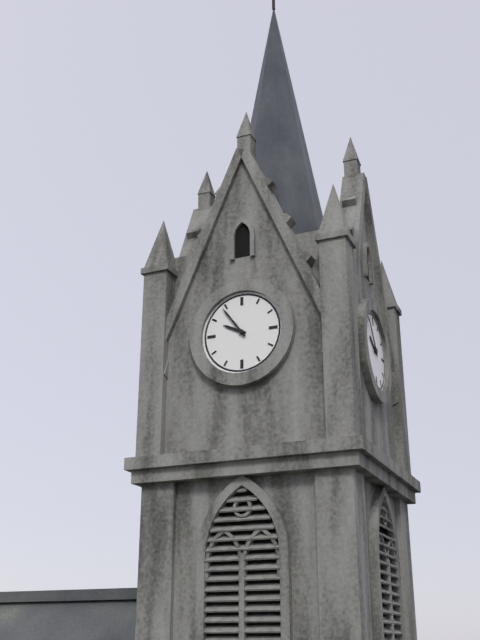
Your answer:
**9:54**
